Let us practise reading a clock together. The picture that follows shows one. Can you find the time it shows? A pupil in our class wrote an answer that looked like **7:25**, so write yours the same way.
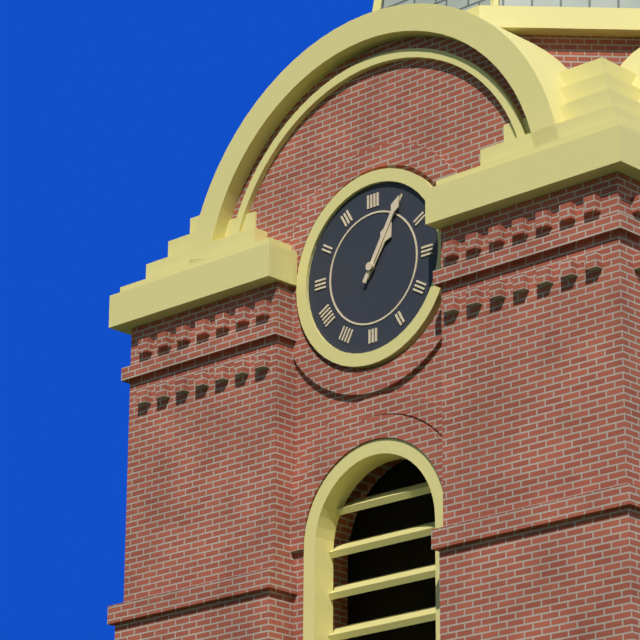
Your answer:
**1:05**
